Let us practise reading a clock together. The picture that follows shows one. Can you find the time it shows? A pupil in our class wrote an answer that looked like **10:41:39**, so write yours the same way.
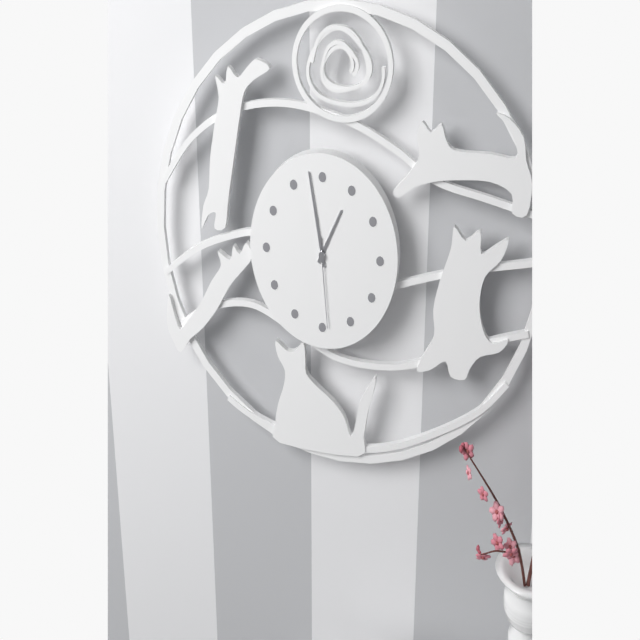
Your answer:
**12:58:29**
